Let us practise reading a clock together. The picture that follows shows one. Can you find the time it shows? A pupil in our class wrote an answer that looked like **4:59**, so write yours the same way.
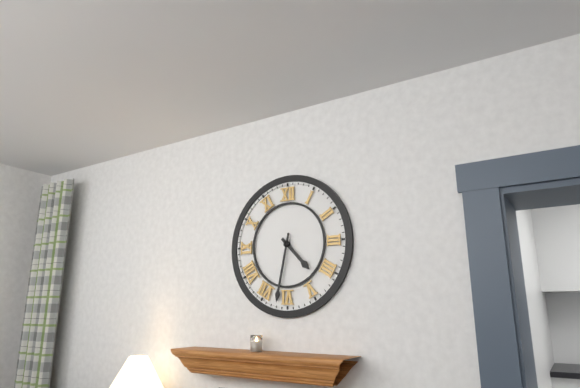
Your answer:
**4:32**
